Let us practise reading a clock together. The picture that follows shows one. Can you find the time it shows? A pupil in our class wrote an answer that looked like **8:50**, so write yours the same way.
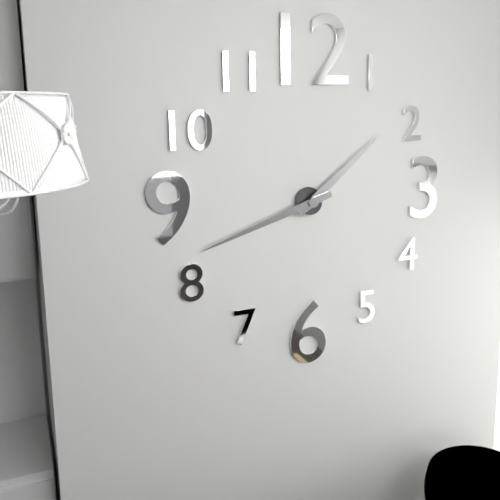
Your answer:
**1:42**
